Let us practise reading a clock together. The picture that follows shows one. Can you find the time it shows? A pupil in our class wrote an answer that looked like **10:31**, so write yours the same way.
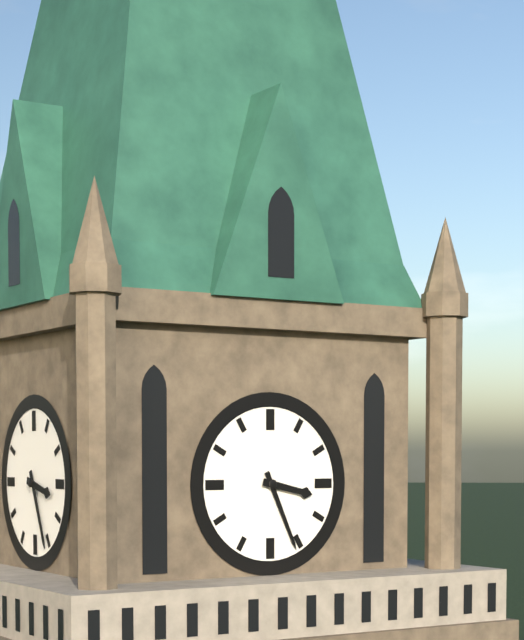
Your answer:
**3:26**
